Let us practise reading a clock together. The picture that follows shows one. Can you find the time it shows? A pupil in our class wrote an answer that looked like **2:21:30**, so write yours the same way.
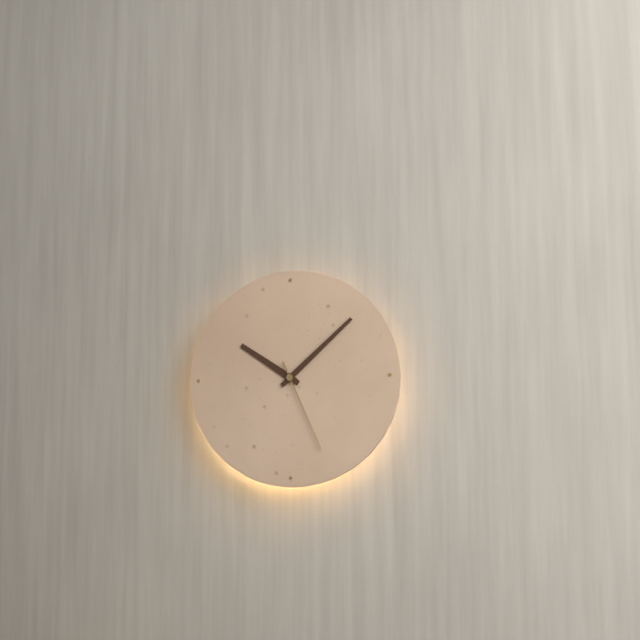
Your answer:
**10:08:26**
